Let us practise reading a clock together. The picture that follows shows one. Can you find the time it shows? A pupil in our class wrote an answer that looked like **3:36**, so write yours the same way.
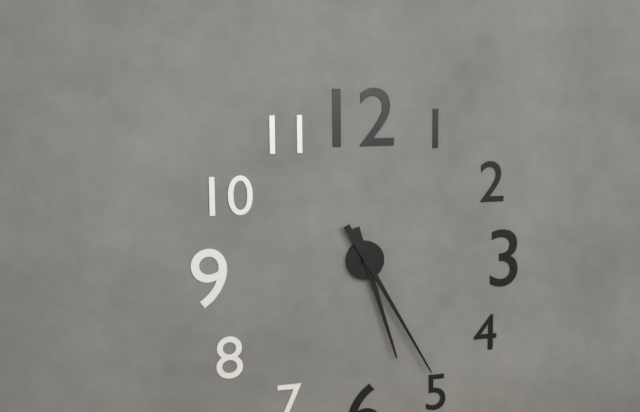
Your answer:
**5:25**
